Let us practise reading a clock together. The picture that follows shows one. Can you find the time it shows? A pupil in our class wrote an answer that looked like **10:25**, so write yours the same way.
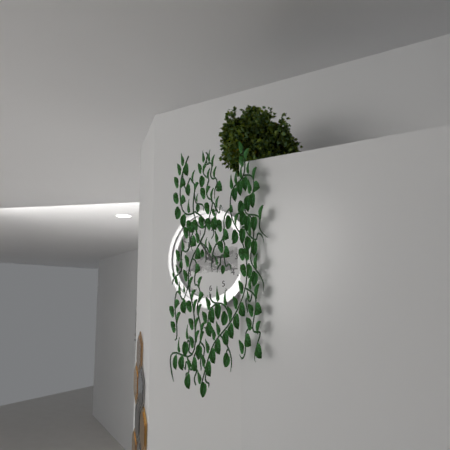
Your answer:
**2:54**
